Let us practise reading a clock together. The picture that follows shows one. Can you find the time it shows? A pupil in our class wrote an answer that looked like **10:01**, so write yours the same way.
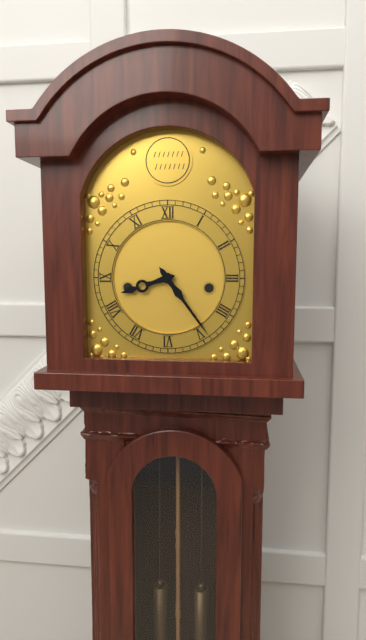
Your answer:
**8:24**
